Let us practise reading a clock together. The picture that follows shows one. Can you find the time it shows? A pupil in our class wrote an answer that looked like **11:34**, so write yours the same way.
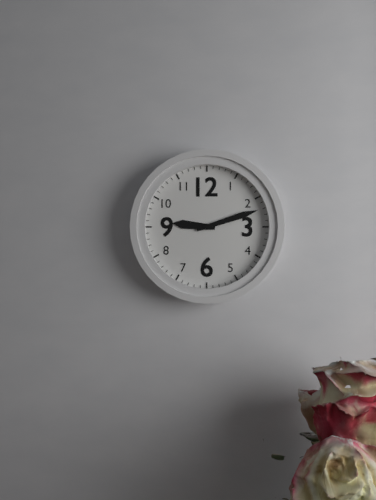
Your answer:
**9:12**
